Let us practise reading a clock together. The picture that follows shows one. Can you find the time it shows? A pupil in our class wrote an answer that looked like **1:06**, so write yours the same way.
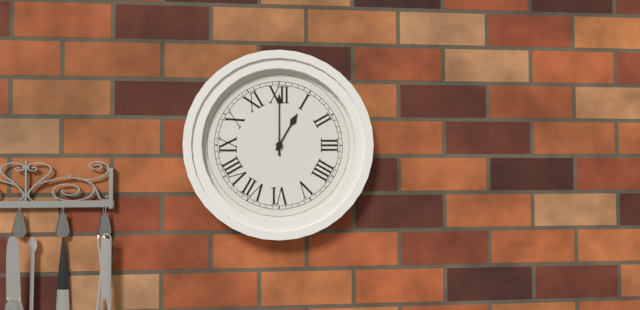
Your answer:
**1:00**
